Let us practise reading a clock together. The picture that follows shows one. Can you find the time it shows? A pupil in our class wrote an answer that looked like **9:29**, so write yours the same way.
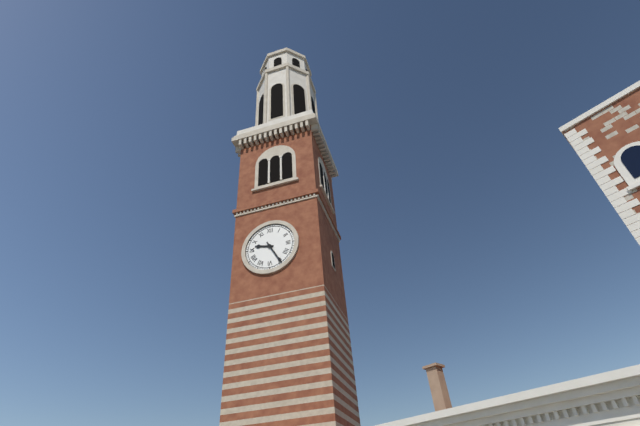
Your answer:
**9:25**
